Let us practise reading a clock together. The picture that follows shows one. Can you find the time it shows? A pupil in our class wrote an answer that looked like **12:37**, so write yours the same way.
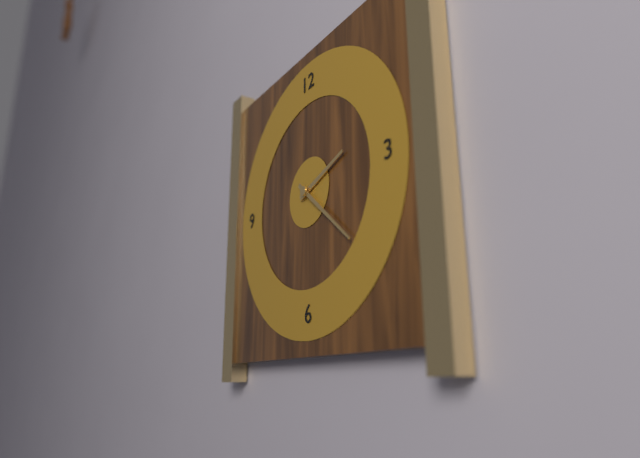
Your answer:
**2:22**
